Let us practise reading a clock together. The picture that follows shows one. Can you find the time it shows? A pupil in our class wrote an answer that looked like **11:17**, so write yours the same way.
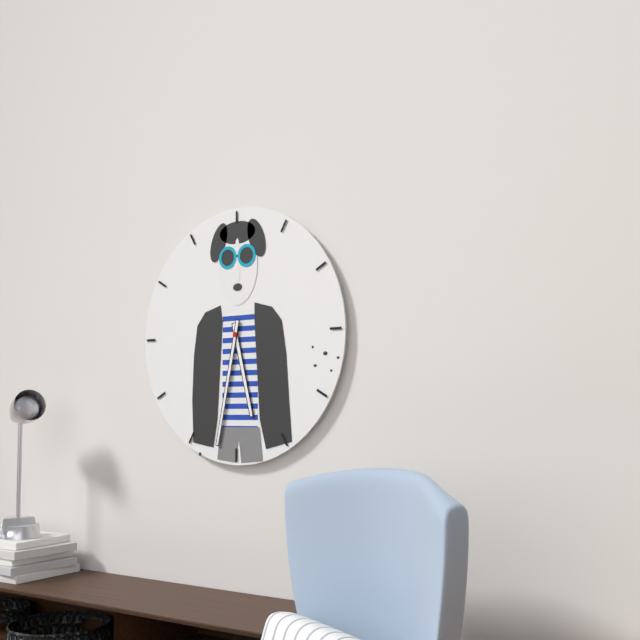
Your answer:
**5:32**
